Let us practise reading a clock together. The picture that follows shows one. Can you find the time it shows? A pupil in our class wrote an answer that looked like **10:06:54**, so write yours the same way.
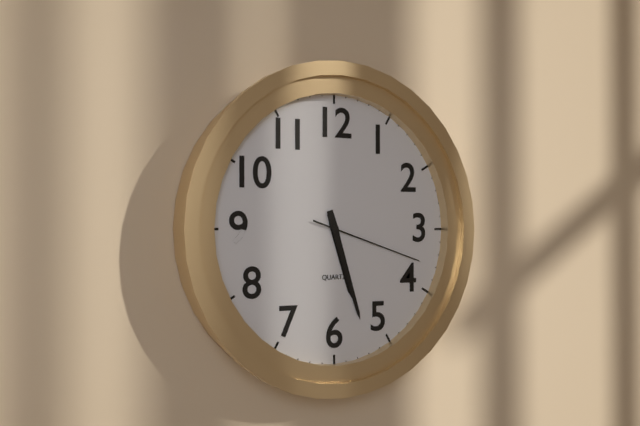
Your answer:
**5:27:18**
